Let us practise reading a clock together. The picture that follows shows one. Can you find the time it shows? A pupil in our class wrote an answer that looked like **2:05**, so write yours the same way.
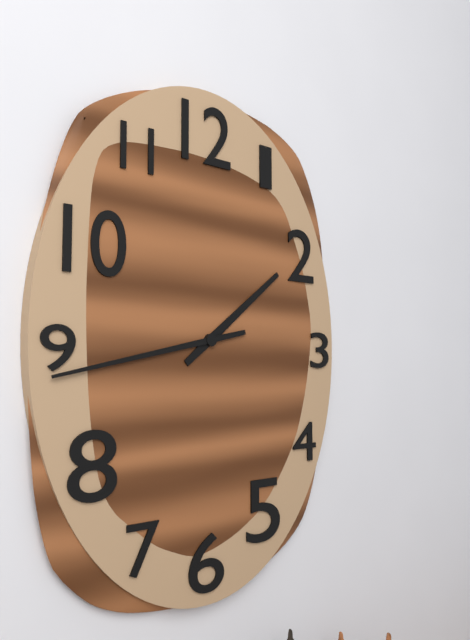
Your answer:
**1:43**
